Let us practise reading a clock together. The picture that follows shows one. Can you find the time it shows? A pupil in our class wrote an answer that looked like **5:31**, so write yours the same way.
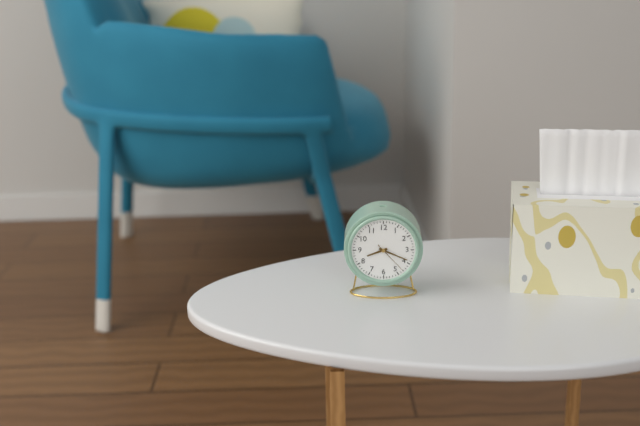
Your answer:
**8:19**
